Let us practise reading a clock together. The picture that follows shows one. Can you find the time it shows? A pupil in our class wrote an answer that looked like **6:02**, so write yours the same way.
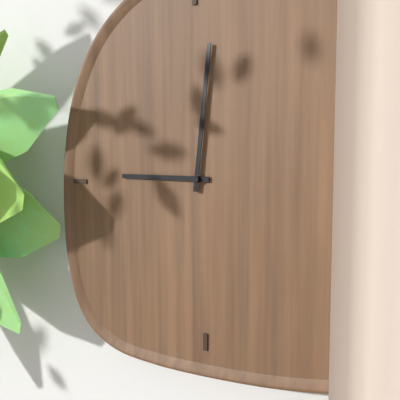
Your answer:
**9:01**
